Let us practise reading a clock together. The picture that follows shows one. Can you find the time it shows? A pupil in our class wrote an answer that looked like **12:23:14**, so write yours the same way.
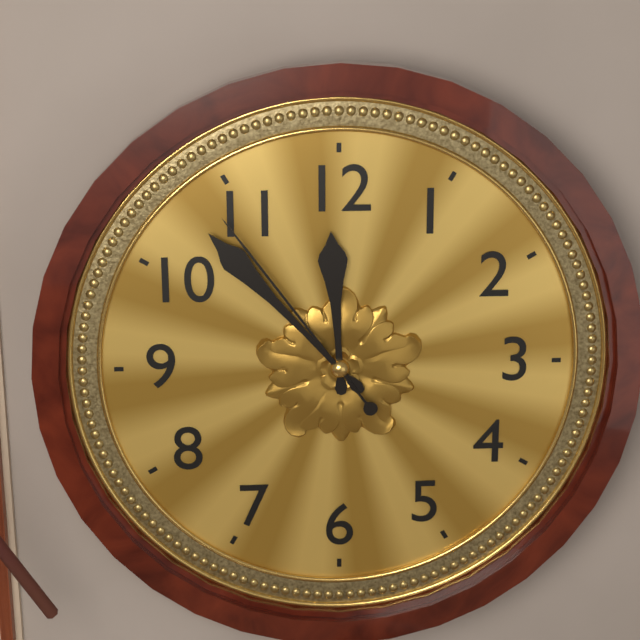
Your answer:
**11:53:54**
